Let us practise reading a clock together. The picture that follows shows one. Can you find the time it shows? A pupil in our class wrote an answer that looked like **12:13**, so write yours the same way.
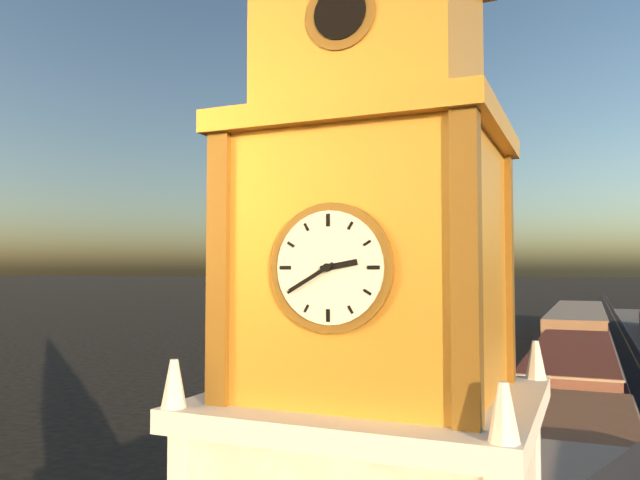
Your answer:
**2:40**
